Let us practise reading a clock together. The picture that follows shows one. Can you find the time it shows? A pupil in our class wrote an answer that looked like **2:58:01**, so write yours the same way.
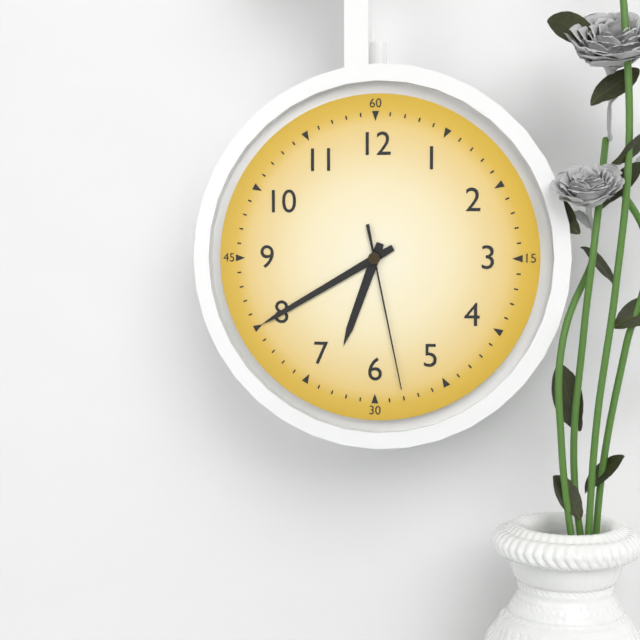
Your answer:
**6:40:28**
